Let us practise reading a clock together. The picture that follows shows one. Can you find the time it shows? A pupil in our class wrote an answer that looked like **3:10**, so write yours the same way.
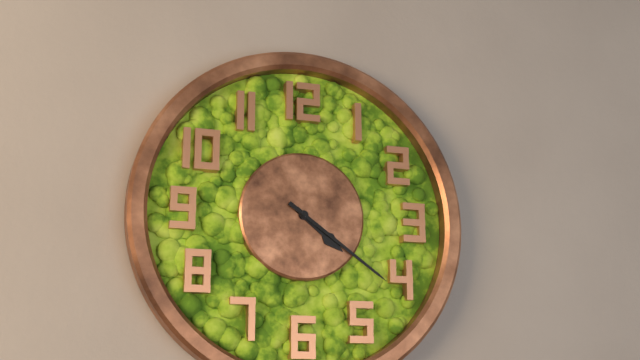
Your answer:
**4:21**
